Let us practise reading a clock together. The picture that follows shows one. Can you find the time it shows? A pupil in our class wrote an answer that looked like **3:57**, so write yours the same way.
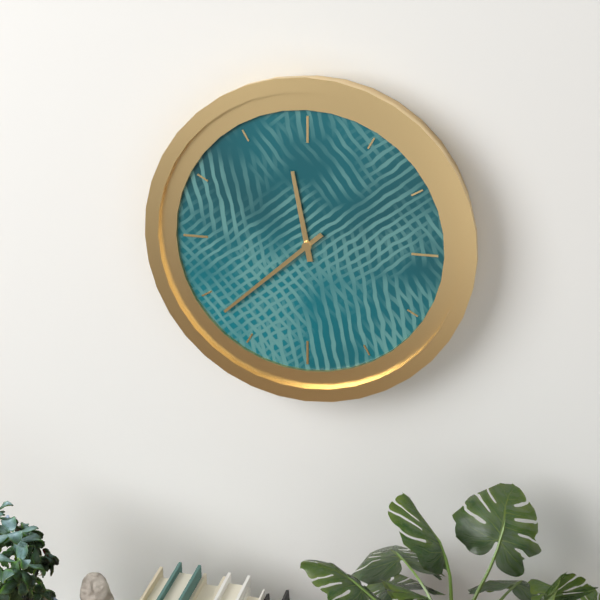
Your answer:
**11:38**
